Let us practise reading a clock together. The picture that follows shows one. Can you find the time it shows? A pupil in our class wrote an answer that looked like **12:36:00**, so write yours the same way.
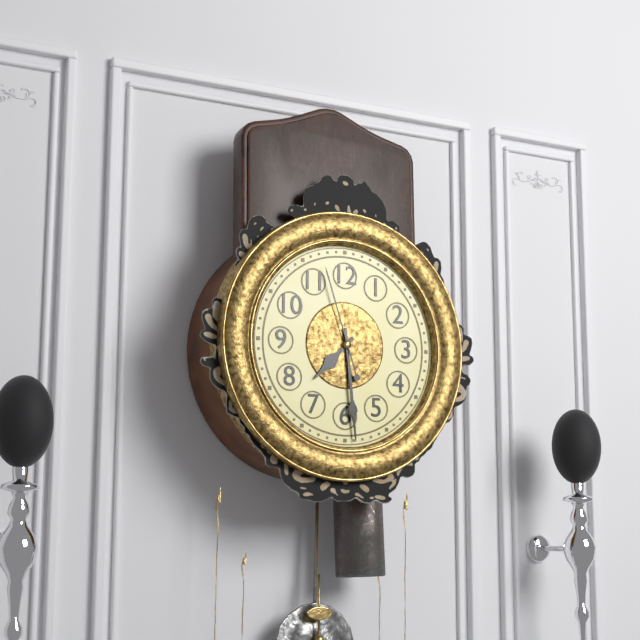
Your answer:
**7:29:57**
